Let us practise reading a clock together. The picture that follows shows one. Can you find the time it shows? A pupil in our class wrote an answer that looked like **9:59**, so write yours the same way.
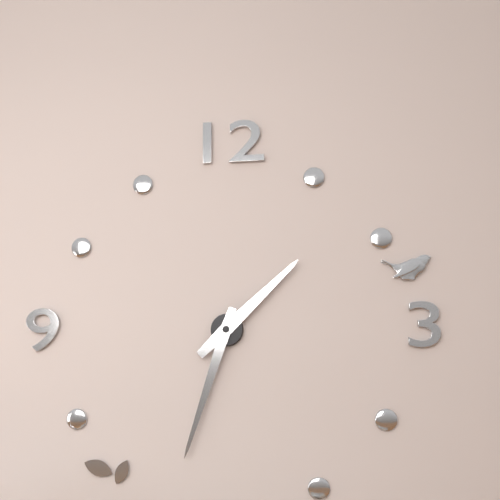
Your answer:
**1:33**
